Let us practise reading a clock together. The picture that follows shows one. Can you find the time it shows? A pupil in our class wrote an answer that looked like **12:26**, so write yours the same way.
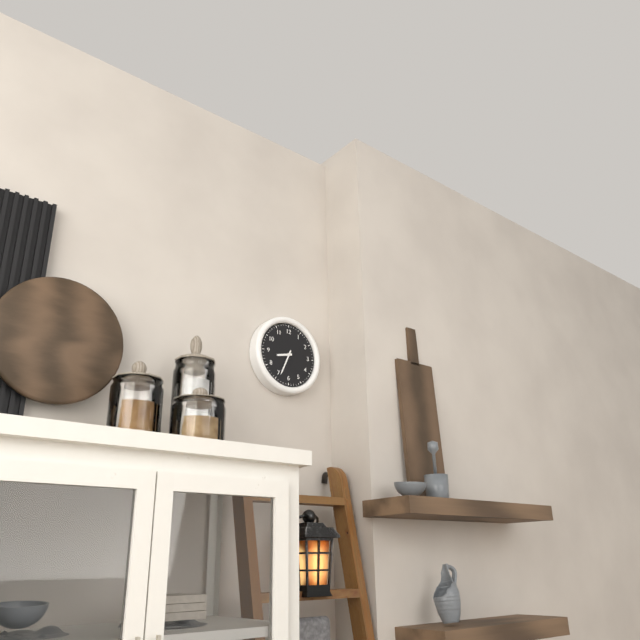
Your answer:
**8:34**
